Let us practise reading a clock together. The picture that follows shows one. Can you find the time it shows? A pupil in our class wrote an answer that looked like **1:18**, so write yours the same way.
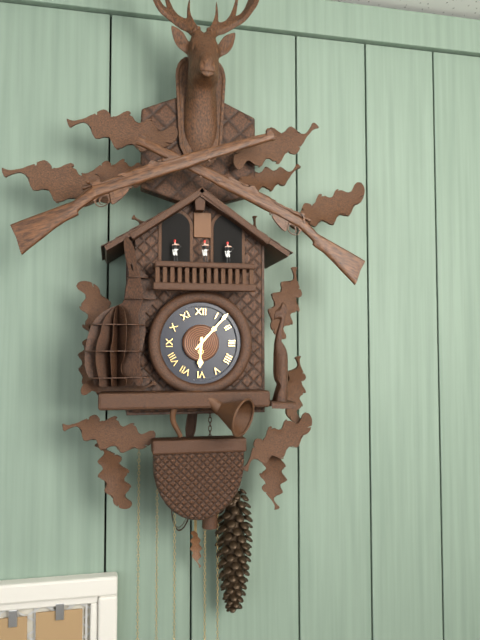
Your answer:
**6:07**
